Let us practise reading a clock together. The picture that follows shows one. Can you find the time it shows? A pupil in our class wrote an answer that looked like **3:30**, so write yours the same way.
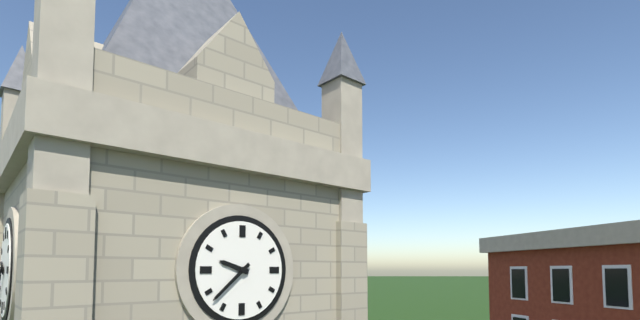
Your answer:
**9:38**
